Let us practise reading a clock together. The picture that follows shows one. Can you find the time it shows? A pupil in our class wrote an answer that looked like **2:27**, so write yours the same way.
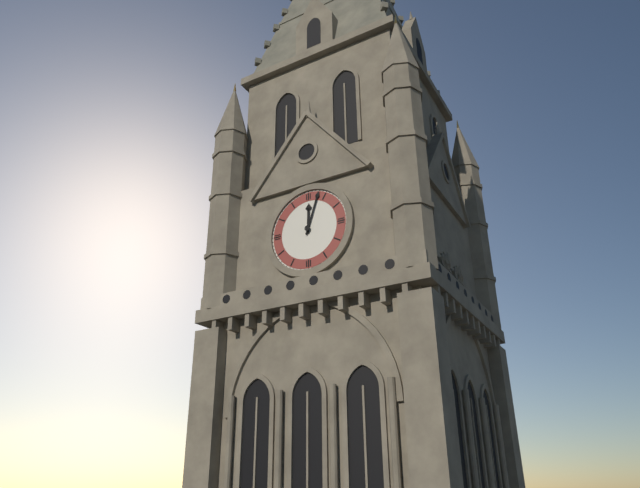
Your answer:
**12:03**
